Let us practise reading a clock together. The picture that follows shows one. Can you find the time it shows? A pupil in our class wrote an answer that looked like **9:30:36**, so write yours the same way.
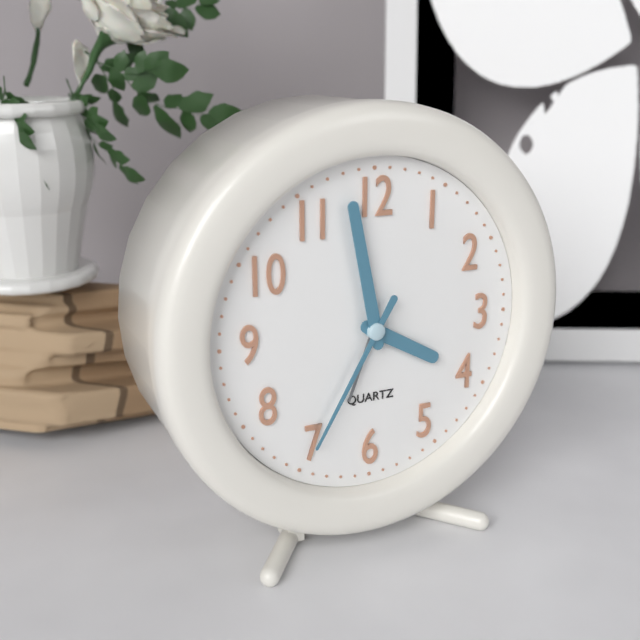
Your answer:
**3:58:35**
